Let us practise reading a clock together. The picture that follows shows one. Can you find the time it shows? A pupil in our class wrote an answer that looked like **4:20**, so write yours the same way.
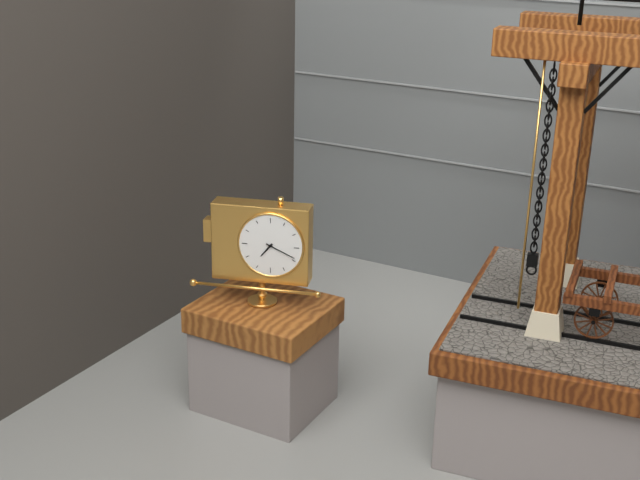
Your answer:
**7:19**
